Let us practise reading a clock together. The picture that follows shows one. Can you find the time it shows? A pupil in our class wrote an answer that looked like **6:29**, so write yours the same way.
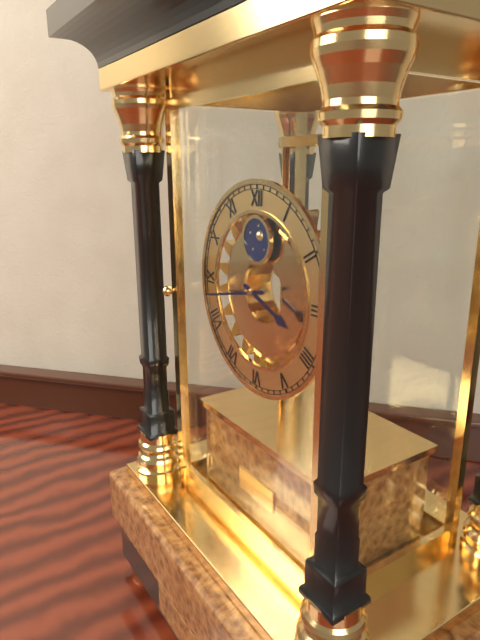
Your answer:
**3:43**
